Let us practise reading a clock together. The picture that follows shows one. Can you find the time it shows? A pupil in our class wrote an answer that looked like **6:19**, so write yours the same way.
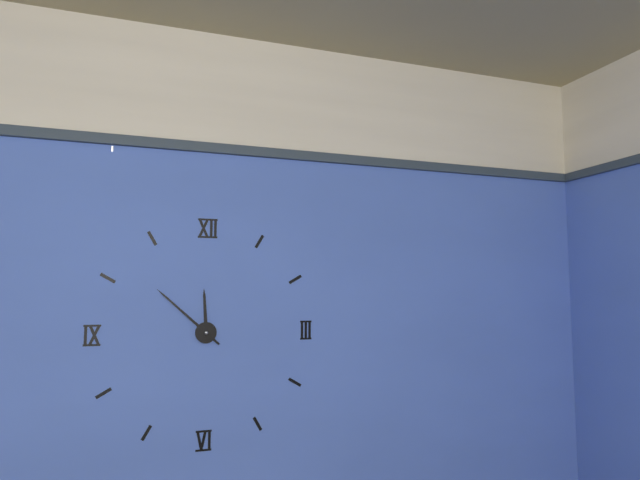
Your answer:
**11:52**
